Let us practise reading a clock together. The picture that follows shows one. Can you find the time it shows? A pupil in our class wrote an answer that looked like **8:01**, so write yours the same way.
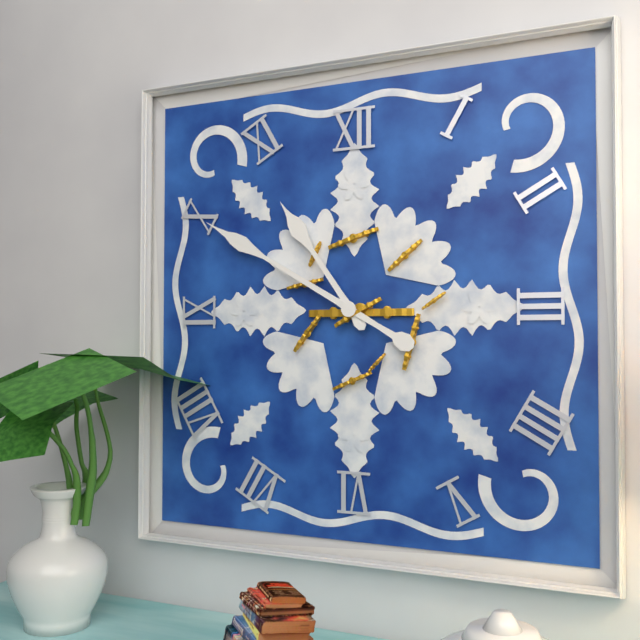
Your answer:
**10:50**
